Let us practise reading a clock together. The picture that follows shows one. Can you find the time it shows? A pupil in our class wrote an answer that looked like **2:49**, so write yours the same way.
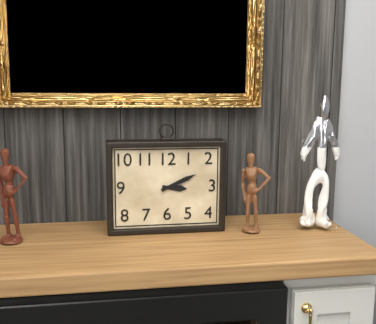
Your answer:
**3:11**
